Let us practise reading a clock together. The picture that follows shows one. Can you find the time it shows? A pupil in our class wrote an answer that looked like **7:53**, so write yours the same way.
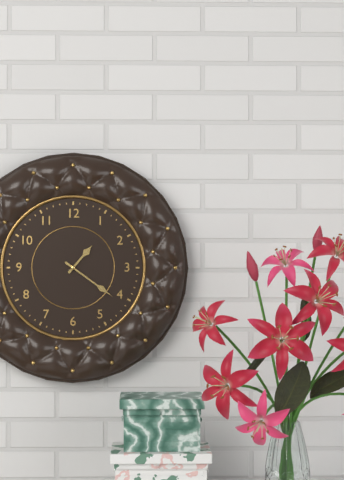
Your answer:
**1:21**
